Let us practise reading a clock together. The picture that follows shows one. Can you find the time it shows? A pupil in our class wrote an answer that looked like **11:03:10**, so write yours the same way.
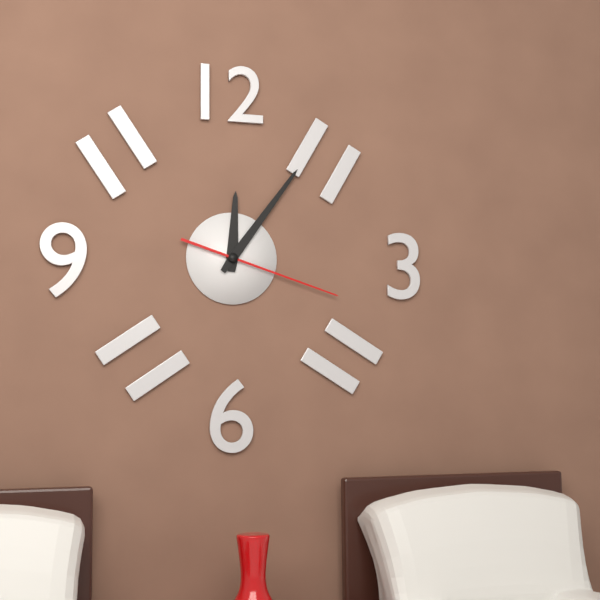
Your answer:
**12:06:18**
